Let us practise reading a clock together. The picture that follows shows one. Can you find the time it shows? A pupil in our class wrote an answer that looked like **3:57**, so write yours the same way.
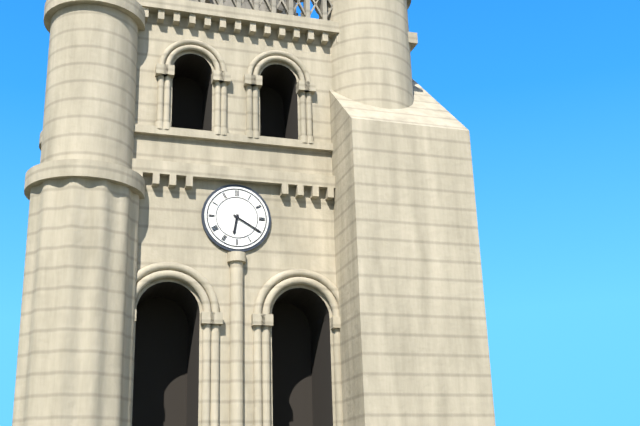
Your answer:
**6:20**
